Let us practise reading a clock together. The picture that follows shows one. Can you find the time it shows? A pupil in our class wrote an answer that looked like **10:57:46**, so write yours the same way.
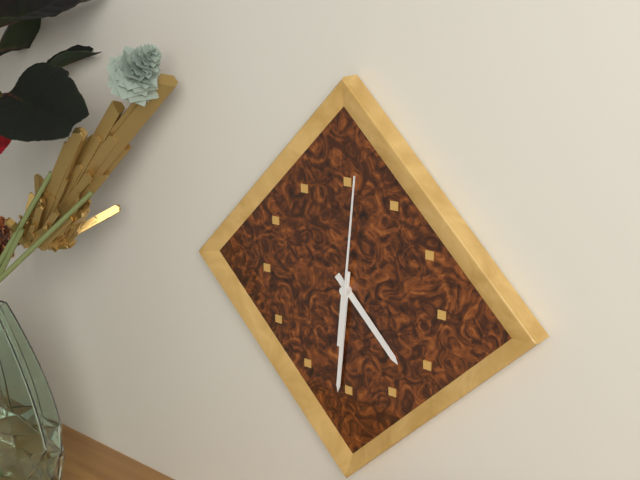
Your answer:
**4:31:01**
